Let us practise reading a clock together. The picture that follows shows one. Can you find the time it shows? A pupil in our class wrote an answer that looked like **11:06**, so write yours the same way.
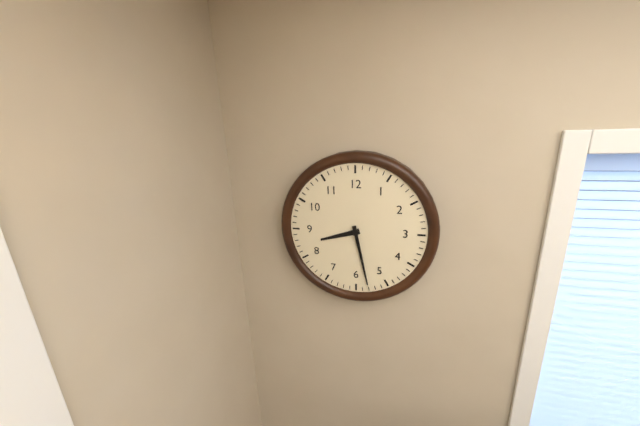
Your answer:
**8:28**
